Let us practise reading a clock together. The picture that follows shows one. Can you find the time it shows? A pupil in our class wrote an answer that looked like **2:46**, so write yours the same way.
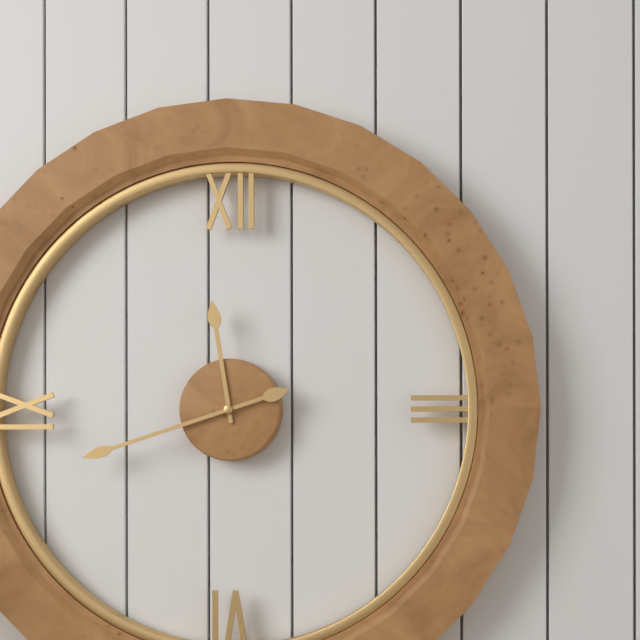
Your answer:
**11:42**
